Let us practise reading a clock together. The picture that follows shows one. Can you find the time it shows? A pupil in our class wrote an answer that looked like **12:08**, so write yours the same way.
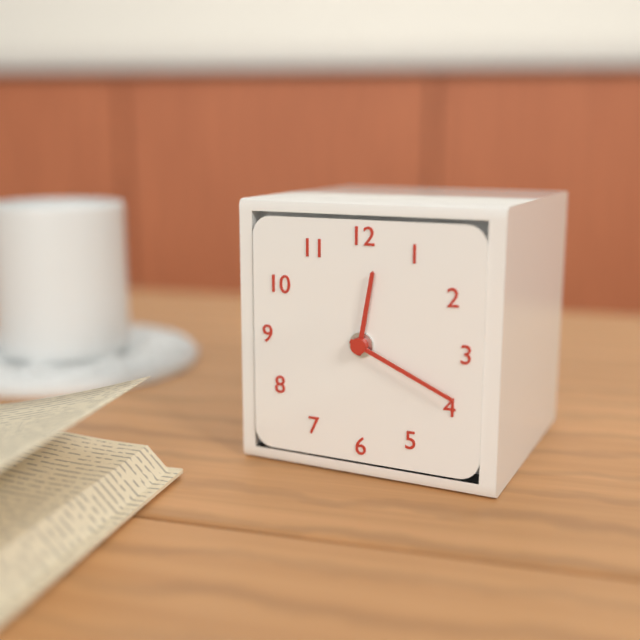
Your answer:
**12:19**
